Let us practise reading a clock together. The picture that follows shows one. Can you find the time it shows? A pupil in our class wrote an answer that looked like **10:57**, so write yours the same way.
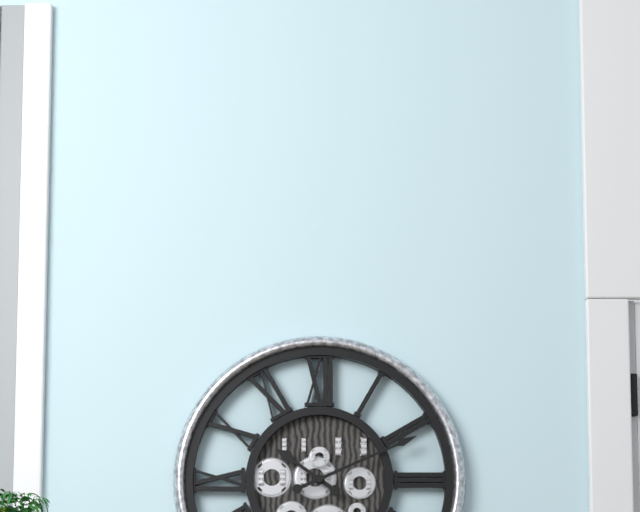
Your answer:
**10:11**
